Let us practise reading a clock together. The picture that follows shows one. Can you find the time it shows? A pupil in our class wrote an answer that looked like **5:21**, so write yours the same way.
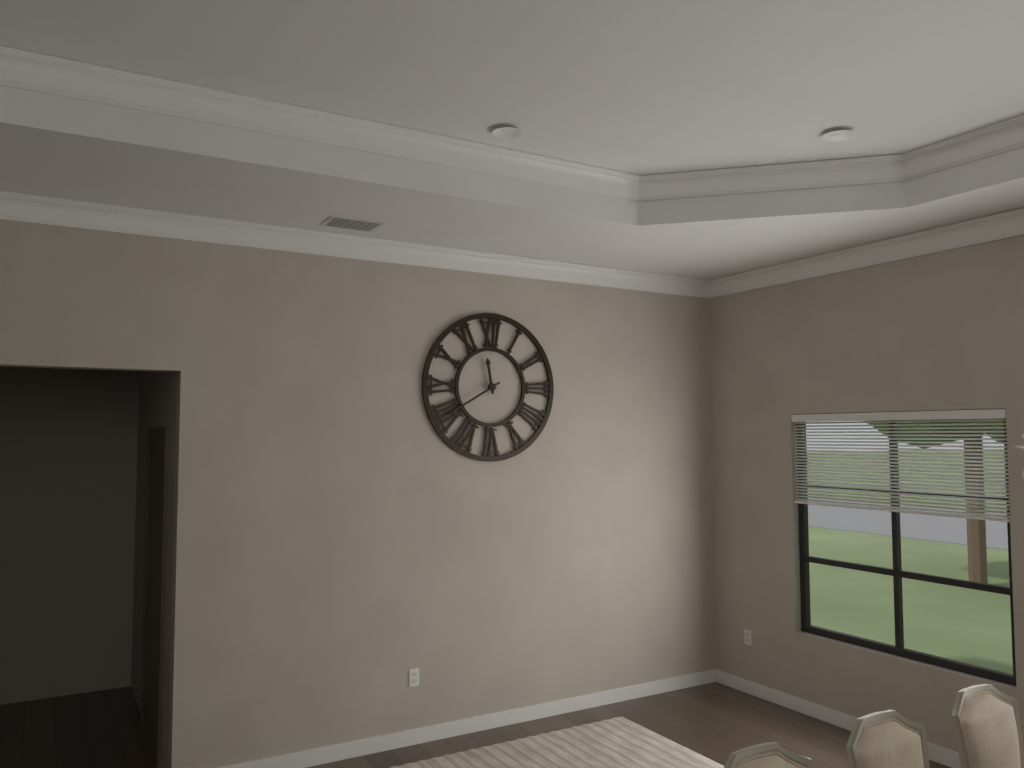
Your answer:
**11:40**
